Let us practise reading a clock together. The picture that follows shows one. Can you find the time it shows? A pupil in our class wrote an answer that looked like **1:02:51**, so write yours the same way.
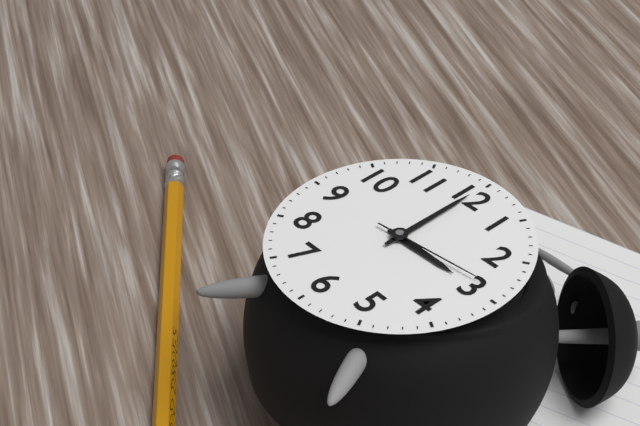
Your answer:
**3:00:14**
